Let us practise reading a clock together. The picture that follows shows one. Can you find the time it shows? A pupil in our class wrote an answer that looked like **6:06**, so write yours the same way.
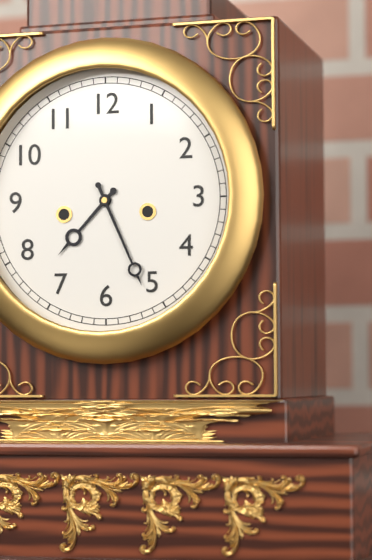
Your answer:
**7:26**
